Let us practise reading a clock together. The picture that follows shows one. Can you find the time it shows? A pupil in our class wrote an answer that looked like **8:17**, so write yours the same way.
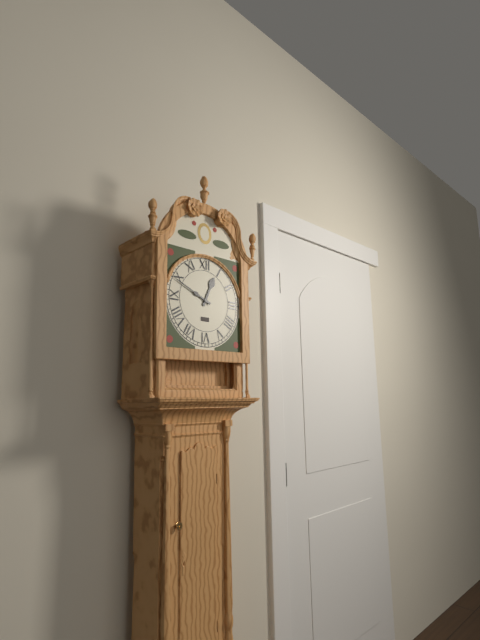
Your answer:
**12:49**
